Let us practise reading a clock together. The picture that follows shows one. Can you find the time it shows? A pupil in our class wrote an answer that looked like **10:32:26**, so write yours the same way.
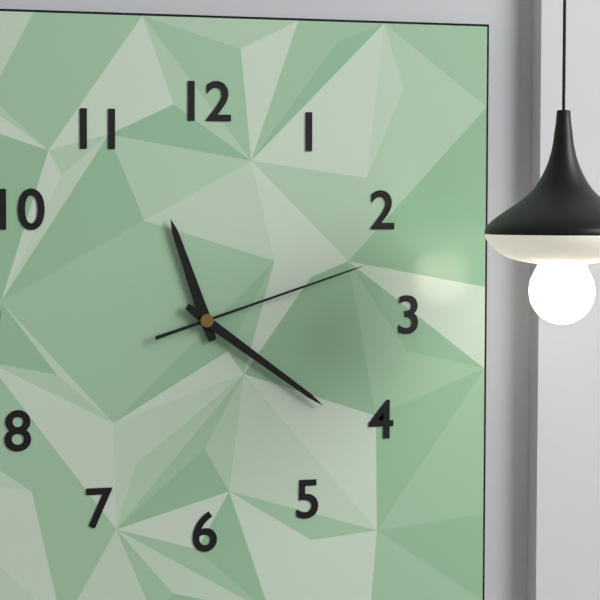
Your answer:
**11:21:12**
